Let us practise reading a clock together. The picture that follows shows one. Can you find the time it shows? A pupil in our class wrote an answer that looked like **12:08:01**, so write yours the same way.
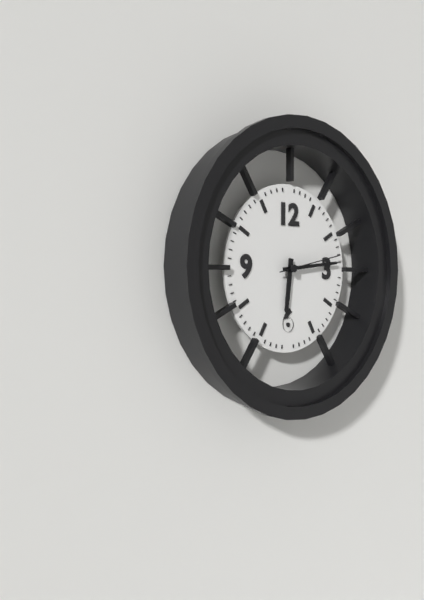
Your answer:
**6:14:13**
